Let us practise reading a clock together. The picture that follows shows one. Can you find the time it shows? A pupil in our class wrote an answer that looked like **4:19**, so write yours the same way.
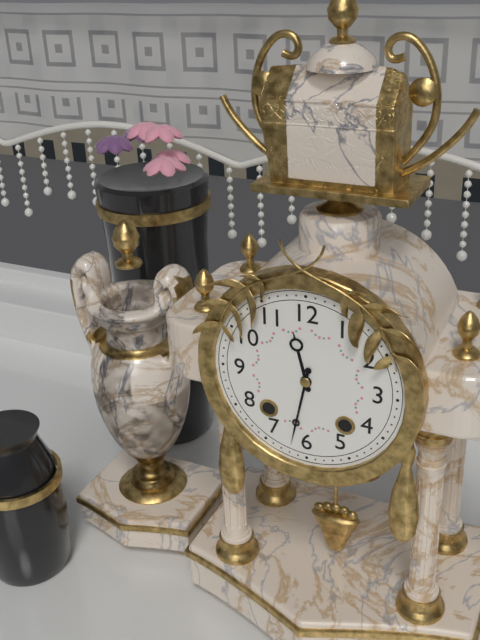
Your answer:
**11:32**
